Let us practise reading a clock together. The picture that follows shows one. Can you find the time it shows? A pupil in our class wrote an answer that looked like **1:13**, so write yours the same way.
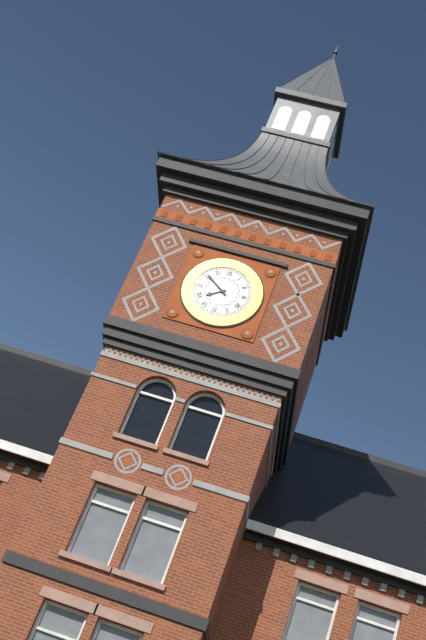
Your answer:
**7:51**
